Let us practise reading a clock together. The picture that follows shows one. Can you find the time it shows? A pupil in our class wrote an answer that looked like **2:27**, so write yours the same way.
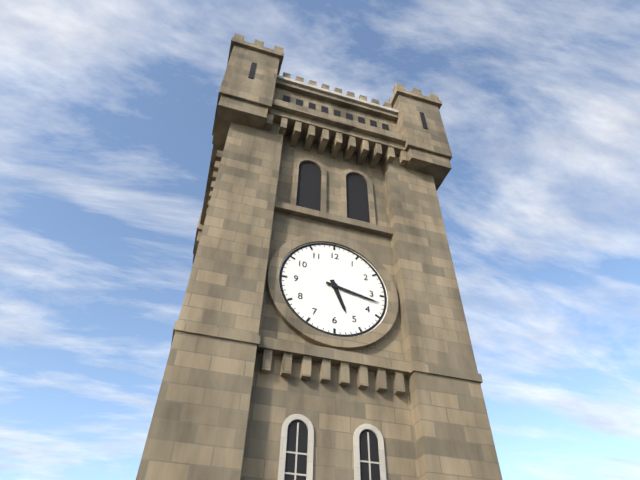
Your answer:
**5:17**
